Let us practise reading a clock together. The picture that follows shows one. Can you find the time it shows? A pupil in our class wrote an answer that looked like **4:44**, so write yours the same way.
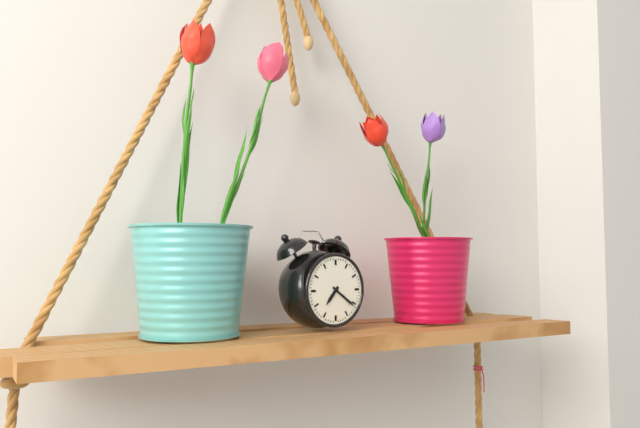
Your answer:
**7:21**
